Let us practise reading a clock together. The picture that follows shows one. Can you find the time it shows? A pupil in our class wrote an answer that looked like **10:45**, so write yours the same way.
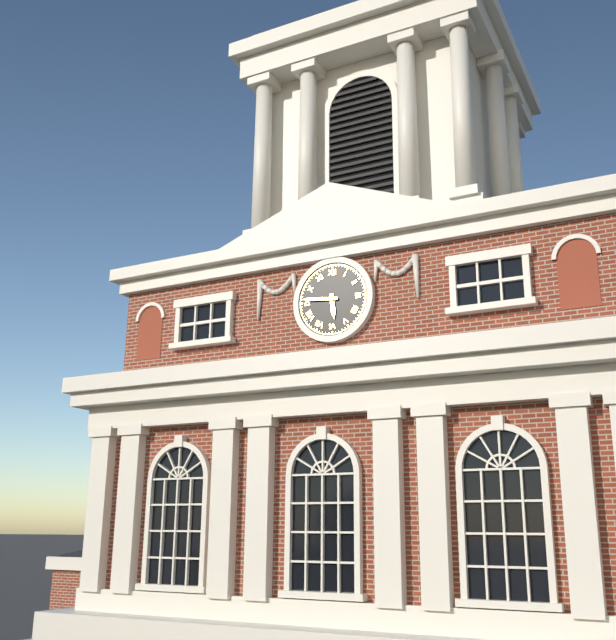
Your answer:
**5:46**
